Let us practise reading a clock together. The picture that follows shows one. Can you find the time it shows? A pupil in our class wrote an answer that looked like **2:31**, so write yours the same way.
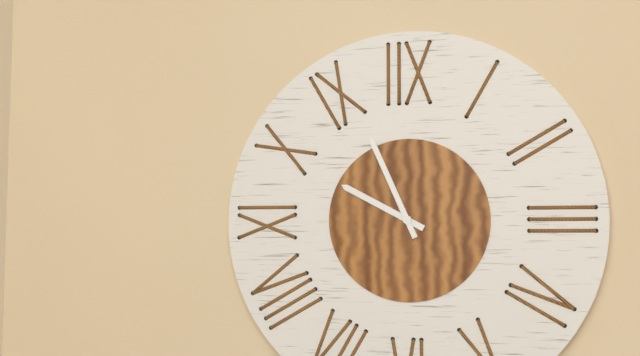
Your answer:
**9:56**
